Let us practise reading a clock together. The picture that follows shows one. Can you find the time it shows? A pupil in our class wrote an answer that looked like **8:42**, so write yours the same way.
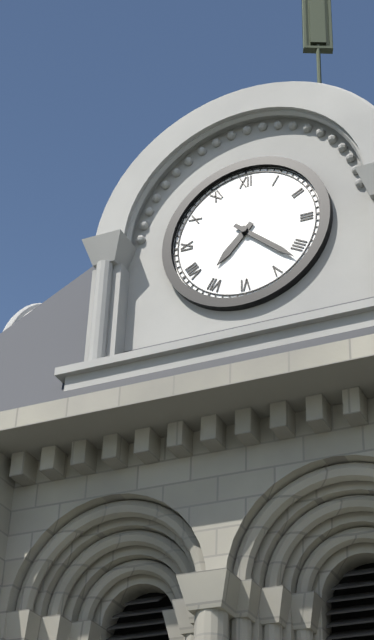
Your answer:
**7:22**
